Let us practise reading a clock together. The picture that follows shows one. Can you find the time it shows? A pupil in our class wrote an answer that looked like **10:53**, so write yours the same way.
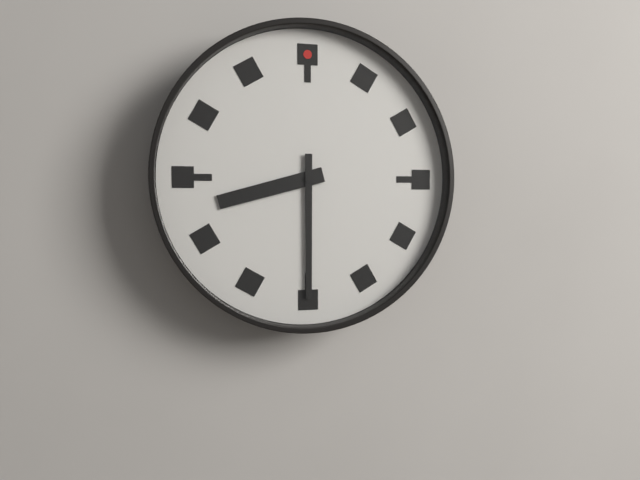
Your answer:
**8:30**
